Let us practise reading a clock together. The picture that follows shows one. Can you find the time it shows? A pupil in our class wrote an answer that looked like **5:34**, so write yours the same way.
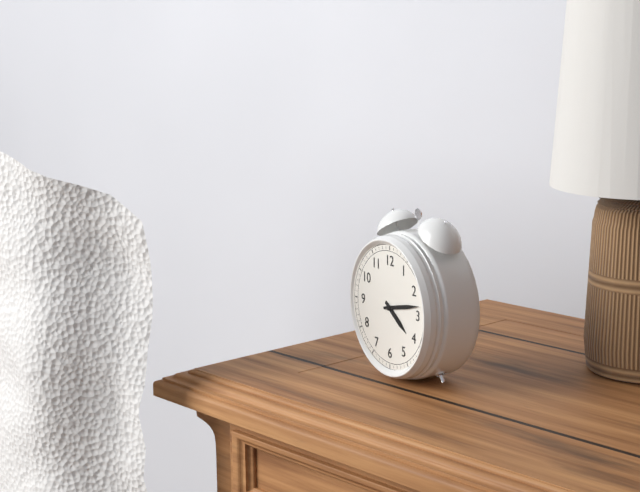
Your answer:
**4:13**
